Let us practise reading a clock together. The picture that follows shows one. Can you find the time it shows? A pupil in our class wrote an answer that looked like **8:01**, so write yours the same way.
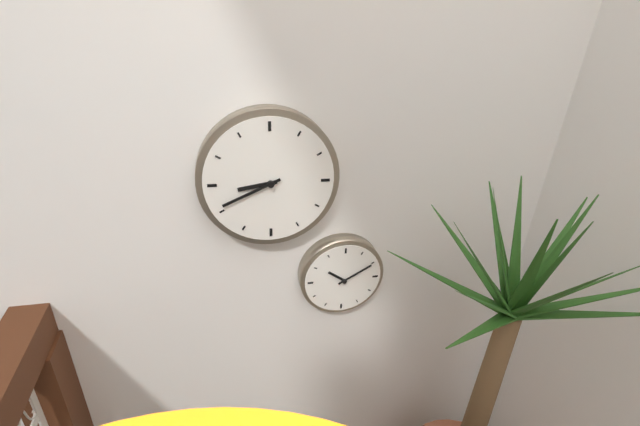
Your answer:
**8:41**
